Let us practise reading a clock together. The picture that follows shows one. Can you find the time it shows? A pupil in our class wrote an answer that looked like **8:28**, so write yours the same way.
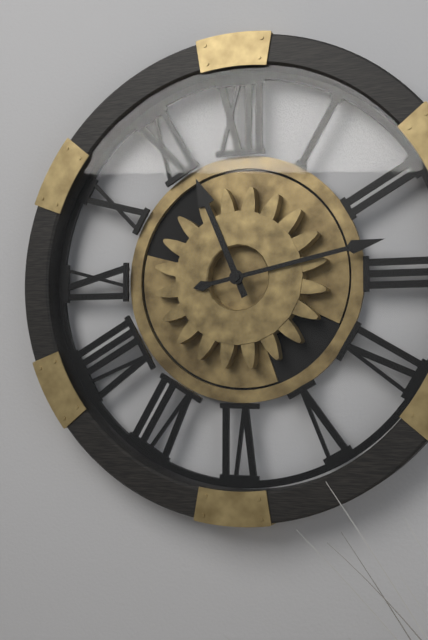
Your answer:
**11:13**
